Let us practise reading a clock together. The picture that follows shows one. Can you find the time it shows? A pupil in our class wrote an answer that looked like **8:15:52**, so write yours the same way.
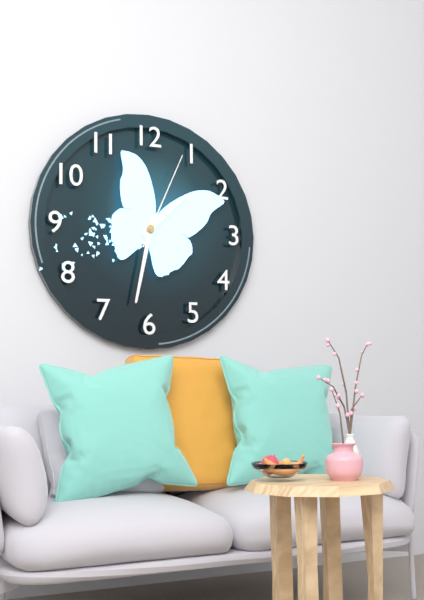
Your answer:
**1:32:04**
